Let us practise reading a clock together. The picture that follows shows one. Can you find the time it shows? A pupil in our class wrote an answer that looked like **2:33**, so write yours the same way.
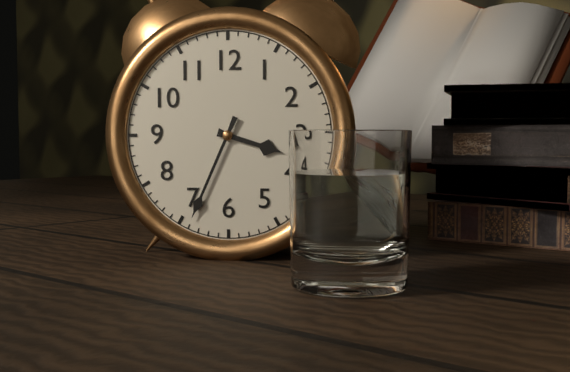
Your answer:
**3:34**
